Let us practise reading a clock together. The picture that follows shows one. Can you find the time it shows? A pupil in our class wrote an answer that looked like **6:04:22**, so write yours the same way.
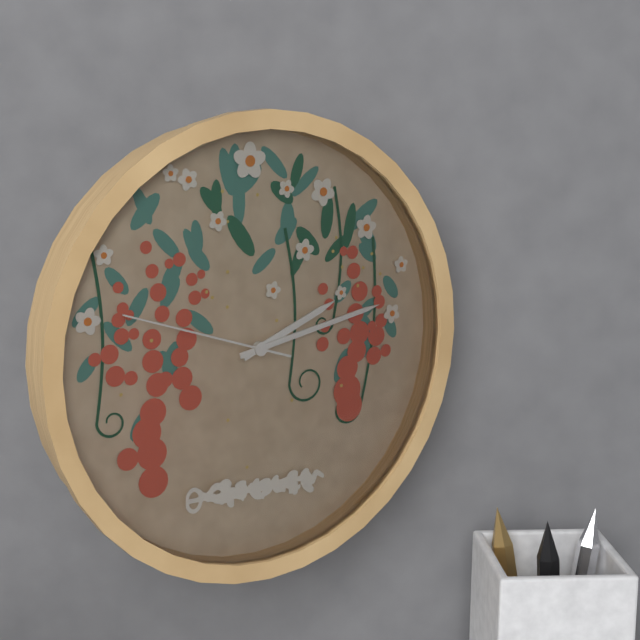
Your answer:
**2:13:48**
